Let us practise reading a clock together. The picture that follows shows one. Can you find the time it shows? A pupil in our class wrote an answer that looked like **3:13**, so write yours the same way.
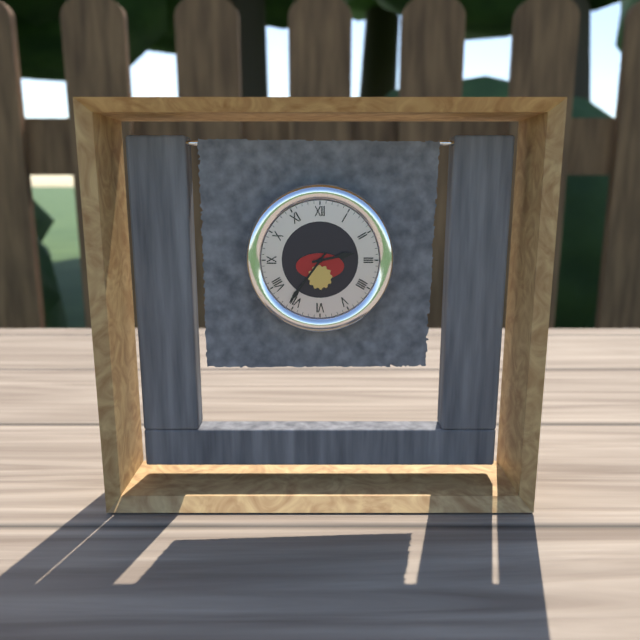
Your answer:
**2:36**
